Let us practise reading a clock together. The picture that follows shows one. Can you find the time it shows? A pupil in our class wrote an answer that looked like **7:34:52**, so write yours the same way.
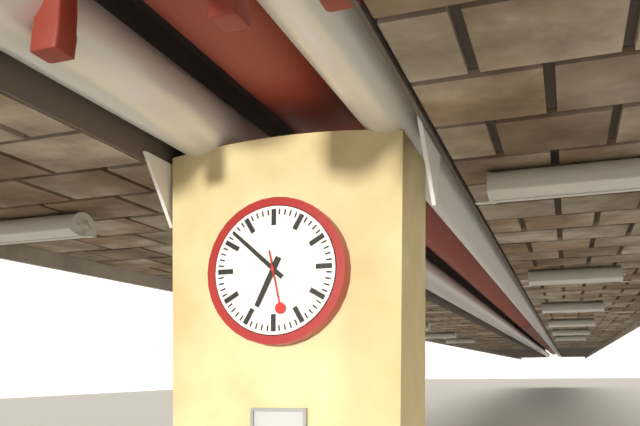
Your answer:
**6:52:28**
